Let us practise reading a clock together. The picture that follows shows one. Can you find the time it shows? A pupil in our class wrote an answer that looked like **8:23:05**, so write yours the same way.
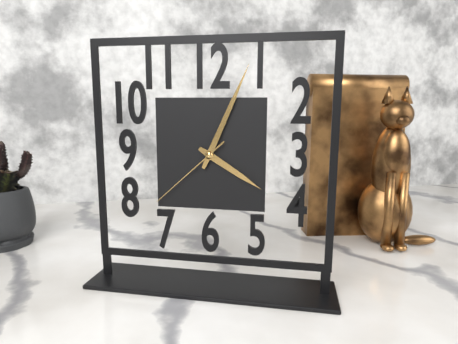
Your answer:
**4:04:38**
